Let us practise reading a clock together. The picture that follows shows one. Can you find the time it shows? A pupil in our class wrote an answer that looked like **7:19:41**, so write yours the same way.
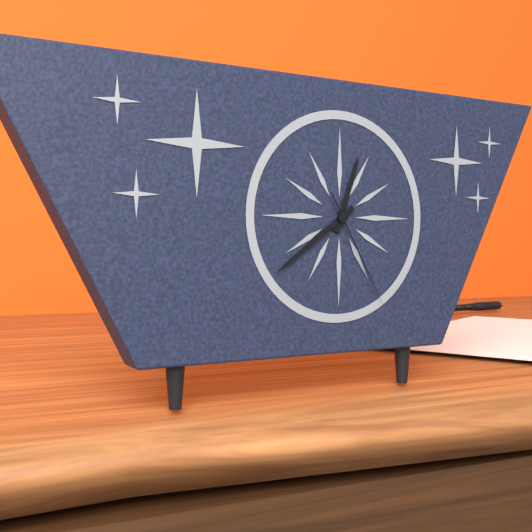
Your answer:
**12:39:25**
